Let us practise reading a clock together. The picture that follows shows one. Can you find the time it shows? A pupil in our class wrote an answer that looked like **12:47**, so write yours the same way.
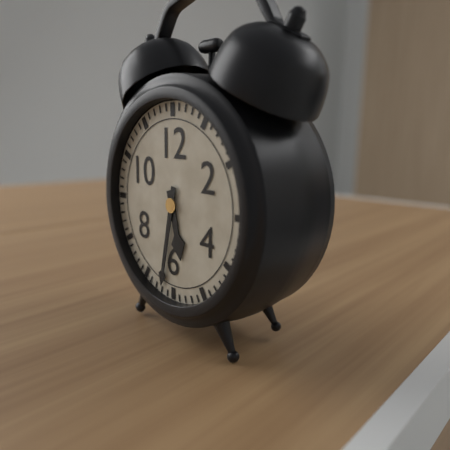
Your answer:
**5:32**
